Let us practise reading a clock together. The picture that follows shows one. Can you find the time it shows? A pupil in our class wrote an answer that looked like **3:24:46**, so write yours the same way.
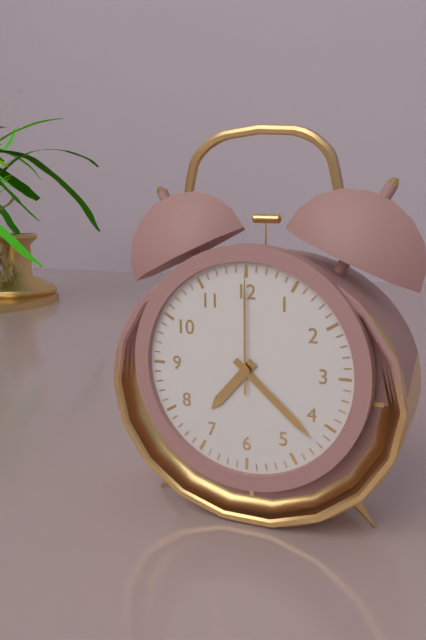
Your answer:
**7:22:00**
